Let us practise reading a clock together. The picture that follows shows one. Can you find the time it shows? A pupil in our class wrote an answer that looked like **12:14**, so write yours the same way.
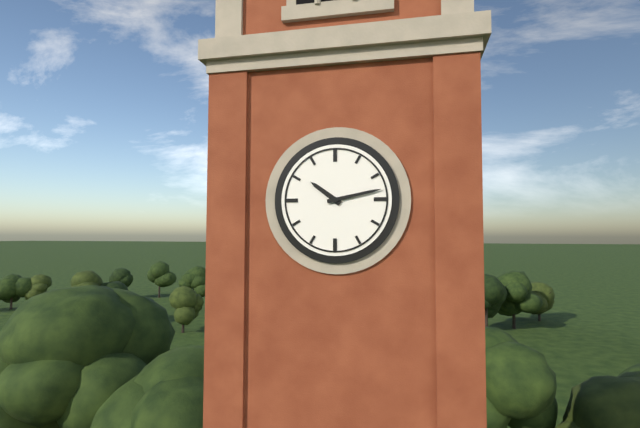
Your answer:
**10:13**
